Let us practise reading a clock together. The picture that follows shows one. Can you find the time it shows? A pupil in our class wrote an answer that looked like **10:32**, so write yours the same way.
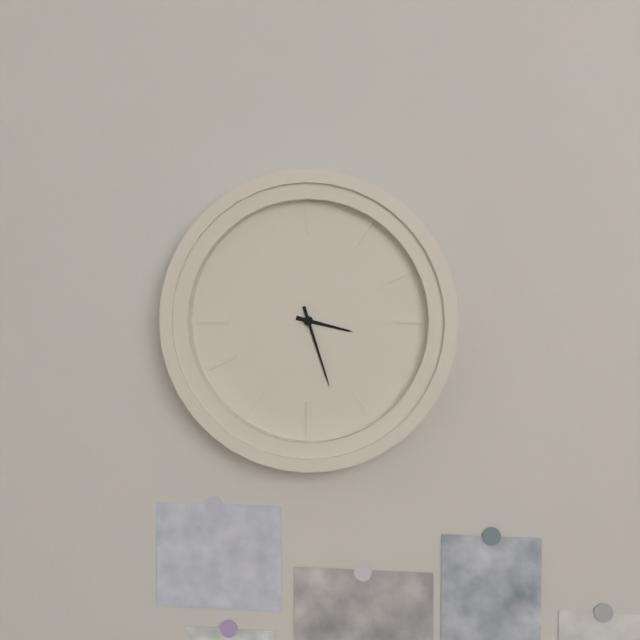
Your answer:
**3:27**
